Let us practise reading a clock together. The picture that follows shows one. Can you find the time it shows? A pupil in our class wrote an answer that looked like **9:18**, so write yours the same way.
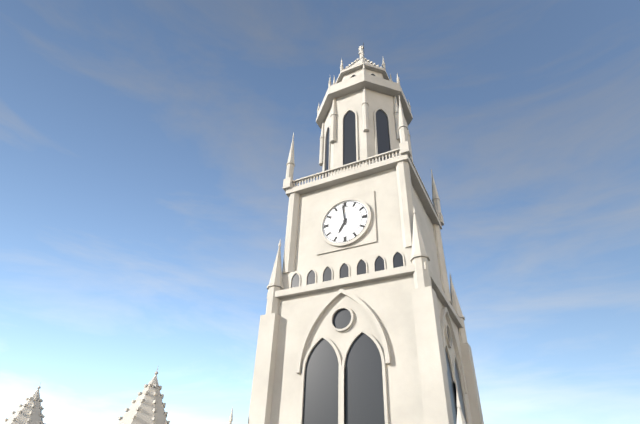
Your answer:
**6:59**
